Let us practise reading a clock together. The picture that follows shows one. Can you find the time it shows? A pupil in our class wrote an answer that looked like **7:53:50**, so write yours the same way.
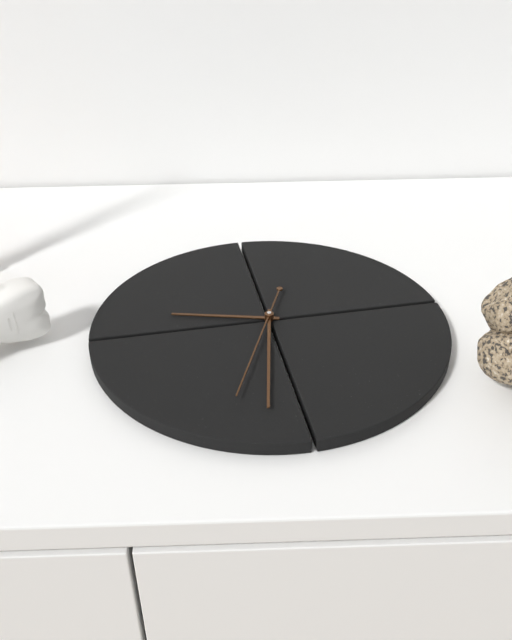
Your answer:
**9:32:34**
